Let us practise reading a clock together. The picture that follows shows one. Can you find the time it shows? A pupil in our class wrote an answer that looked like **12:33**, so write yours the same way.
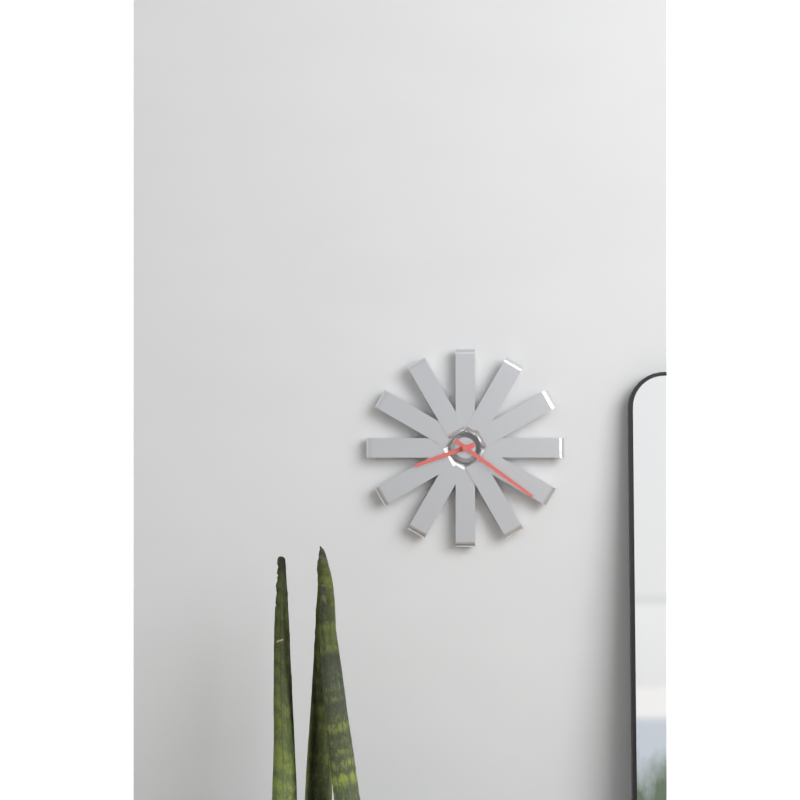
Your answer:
**8:21**
